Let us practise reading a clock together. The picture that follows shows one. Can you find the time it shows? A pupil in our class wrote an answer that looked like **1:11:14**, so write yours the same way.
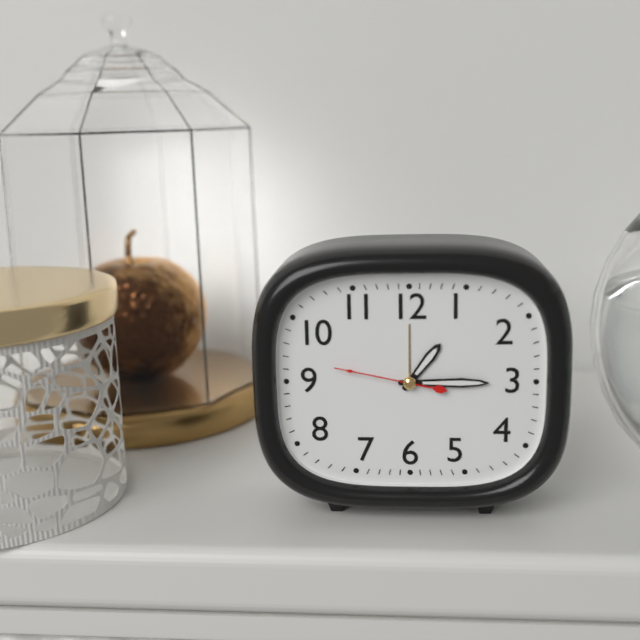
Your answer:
**1:15:47**
